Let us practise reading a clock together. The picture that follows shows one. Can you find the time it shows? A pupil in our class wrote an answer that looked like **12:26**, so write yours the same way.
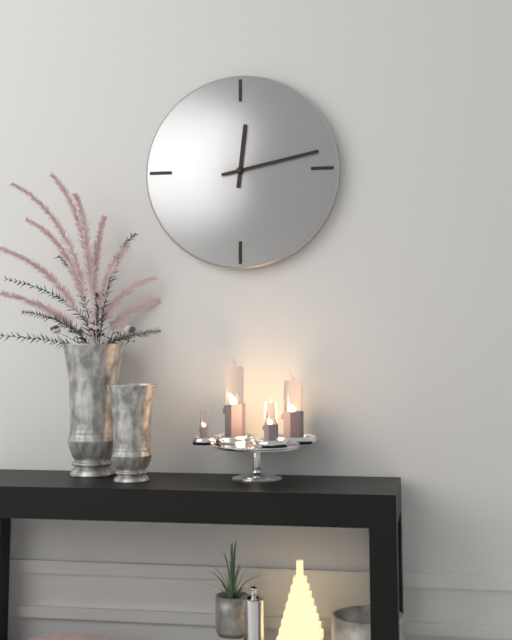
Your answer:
**12:13**
